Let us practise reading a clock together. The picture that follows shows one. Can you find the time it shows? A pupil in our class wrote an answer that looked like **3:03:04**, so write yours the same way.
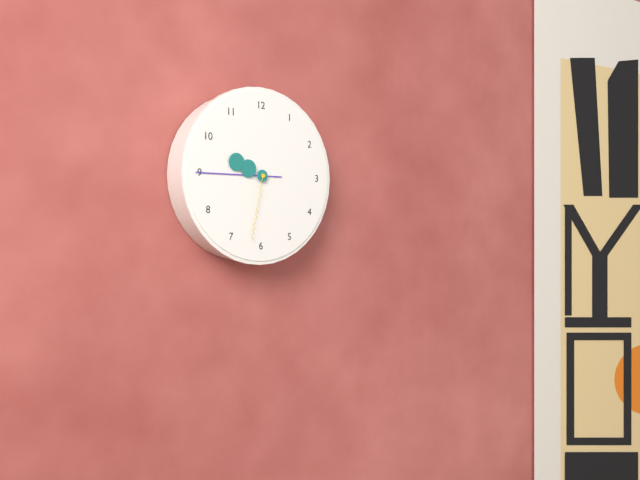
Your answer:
**9:45:32**
